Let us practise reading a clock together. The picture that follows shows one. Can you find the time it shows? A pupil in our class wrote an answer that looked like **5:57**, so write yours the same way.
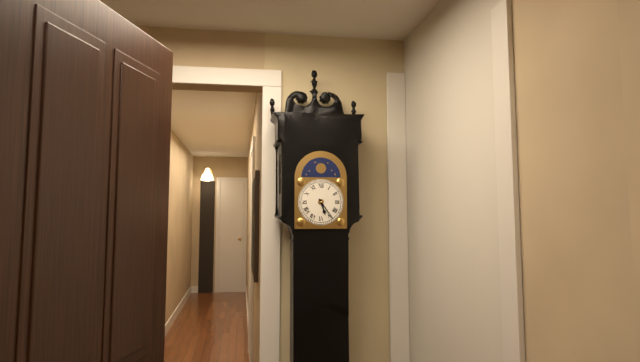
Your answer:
**5:24**
